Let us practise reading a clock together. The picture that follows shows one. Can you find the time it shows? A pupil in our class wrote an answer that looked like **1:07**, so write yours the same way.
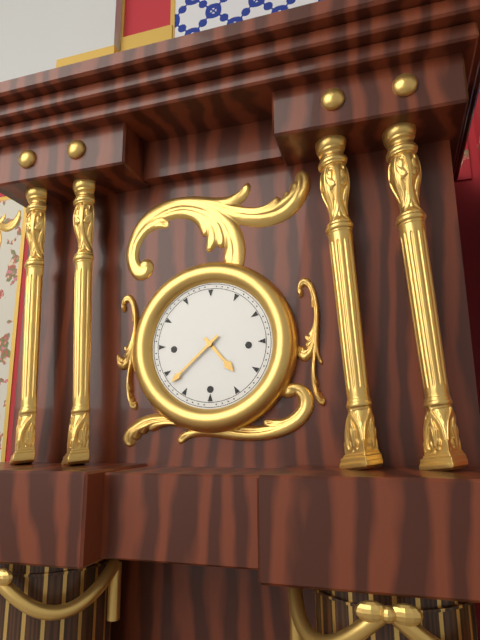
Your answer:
**4:38**
